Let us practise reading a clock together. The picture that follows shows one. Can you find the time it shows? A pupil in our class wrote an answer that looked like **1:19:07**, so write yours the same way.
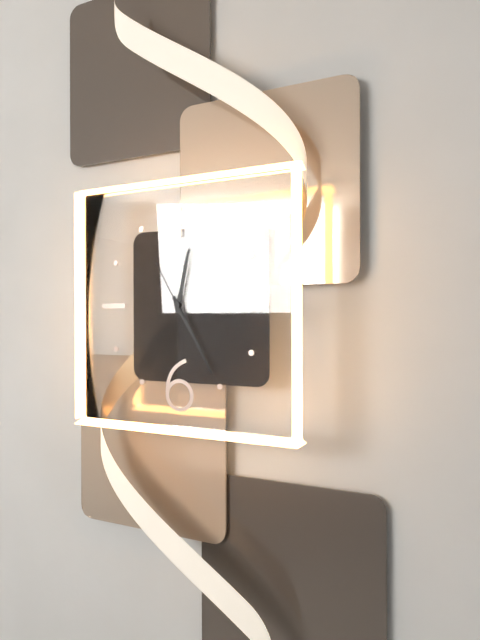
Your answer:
**12:25:55**
